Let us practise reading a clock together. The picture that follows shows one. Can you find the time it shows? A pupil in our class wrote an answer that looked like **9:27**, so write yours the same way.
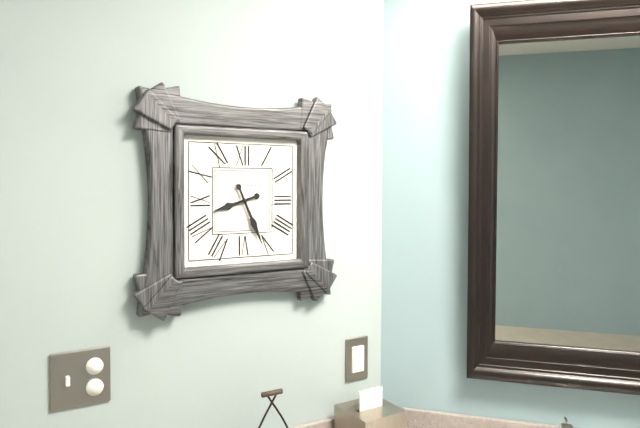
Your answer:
**8:26**
